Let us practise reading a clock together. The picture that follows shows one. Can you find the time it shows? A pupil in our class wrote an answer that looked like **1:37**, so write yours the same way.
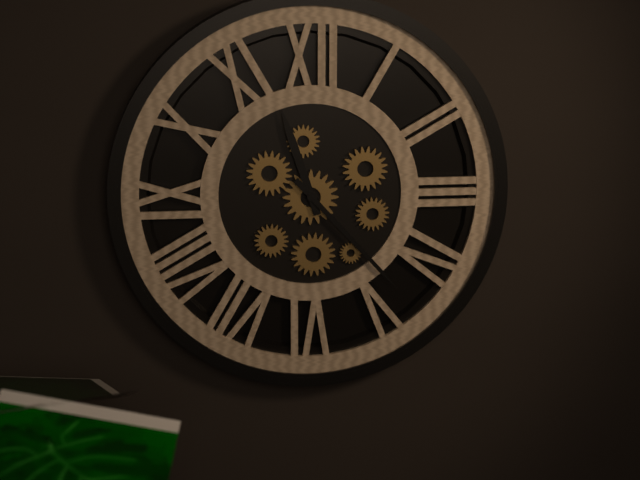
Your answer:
**11:23**
